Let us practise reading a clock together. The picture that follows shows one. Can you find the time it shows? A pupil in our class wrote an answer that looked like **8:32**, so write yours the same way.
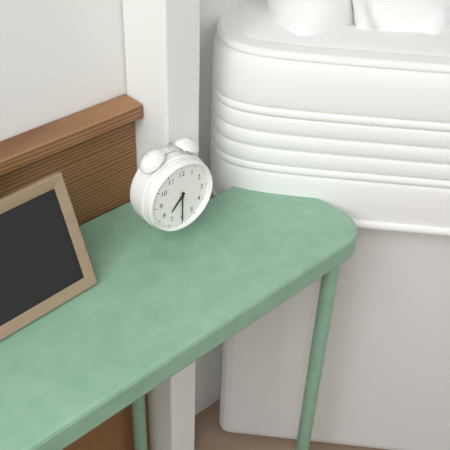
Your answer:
**7:30**
